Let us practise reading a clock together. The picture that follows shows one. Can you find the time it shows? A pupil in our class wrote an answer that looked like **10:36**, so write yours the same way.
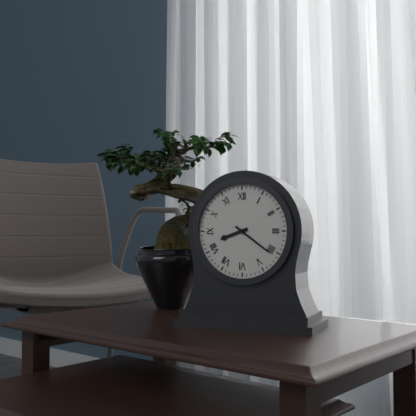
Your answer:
**8:21**
